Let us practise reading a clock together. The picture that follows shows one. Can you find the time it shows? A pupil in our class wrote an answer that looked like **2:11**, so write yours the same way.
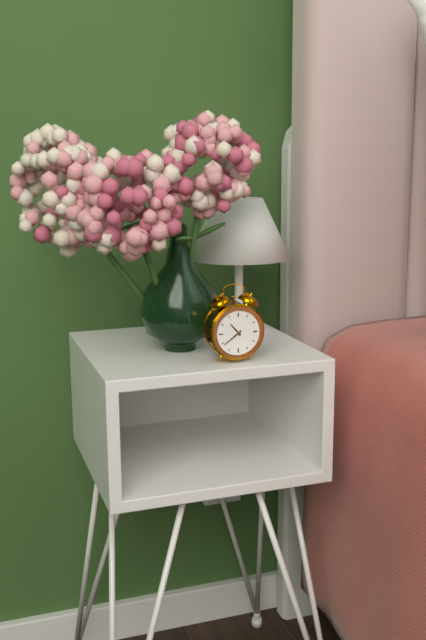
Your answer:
**10:39**
